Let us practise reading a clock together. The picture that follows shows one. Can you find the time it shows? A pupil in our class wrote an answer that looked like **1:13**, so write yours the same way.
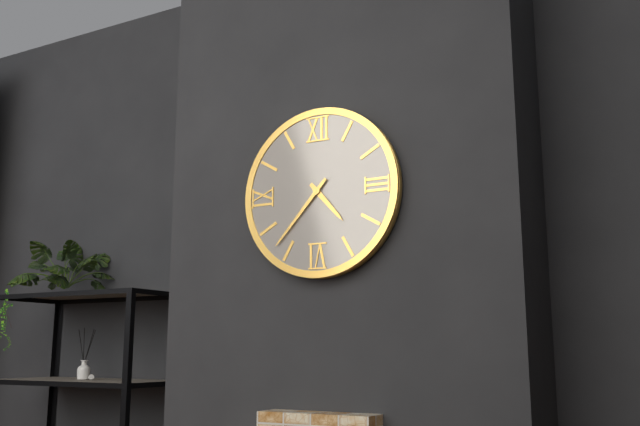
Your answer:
**4:37**
